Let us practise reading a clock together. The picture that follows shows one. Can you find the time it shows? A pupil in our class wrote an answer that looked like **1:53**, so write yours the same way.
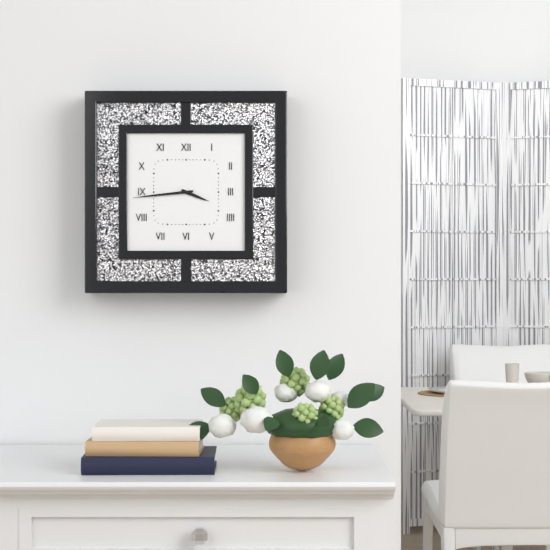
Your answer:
**3:44**
